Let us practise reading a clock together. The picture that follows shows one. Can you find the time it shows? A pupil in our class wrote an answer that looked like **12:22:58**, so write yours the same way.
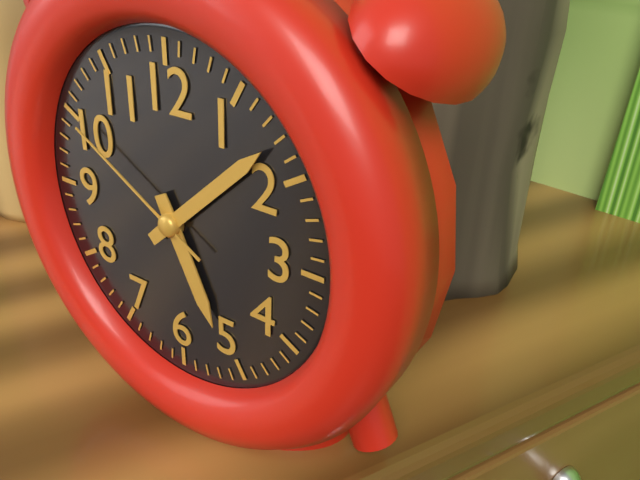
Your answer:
**5:08:50**
